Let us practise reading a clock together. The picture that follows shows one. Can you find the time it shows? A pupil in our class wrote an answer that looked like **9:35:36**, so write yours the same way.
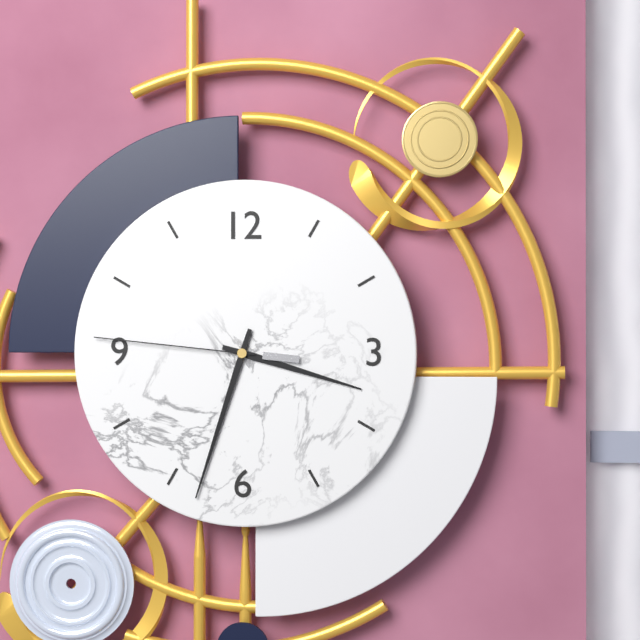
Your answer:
**3:33:46**
